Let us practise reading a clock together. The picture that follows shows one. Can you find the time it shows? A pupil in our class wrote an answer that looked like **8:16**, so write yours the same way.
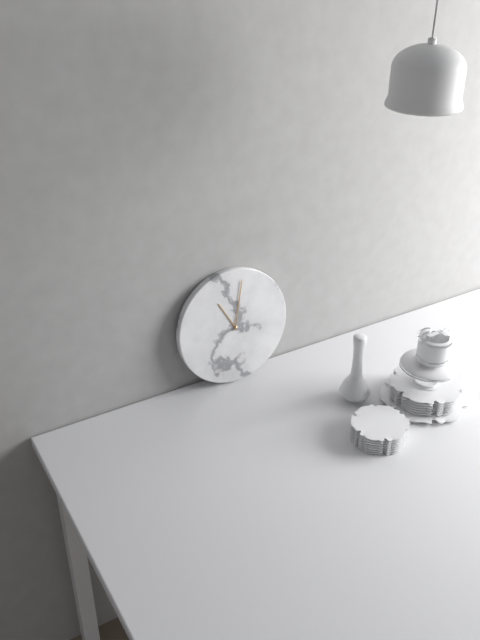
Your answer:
**11:02**
